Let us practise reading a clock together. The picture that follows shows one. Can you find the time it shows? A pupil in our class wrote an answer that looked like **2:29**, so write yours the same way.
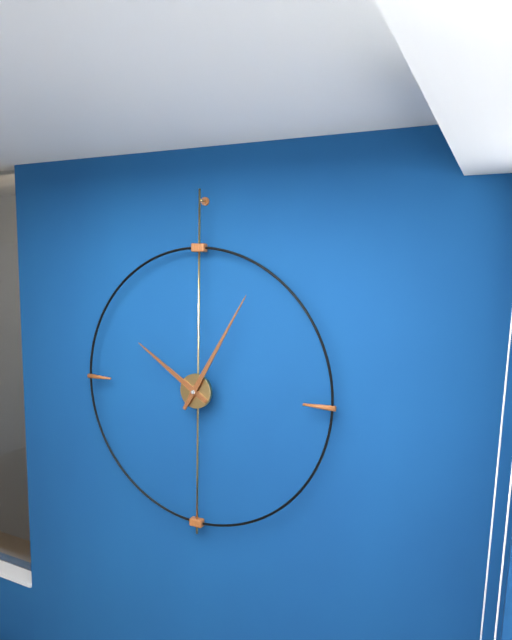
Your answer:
**10:05**
